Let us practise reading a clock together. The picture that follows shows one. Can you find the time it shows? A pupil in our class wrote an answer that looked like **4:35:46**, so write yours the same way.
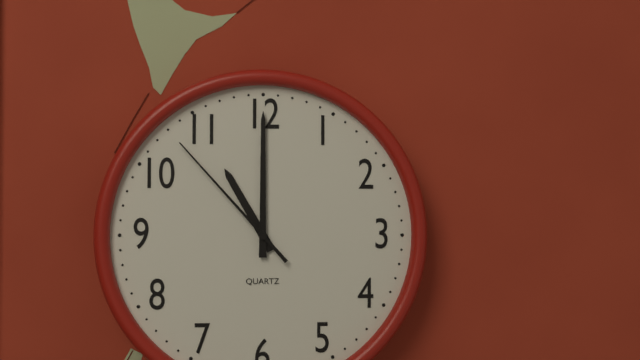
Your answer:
**11:00:53**
